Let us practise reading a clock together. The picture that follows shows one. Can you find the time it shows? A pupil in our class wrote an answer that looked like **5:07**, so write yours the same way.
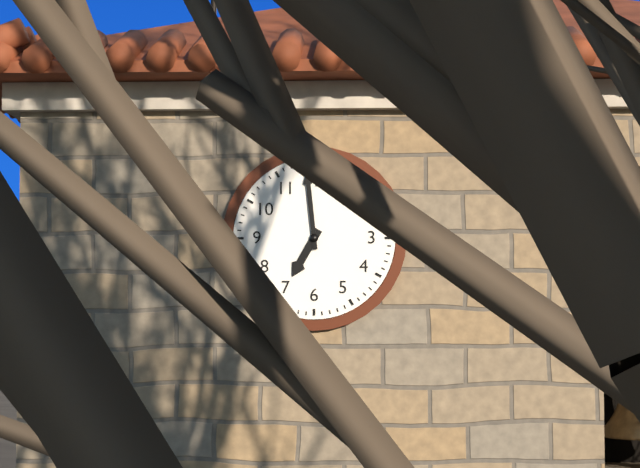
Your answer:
**6:59**
